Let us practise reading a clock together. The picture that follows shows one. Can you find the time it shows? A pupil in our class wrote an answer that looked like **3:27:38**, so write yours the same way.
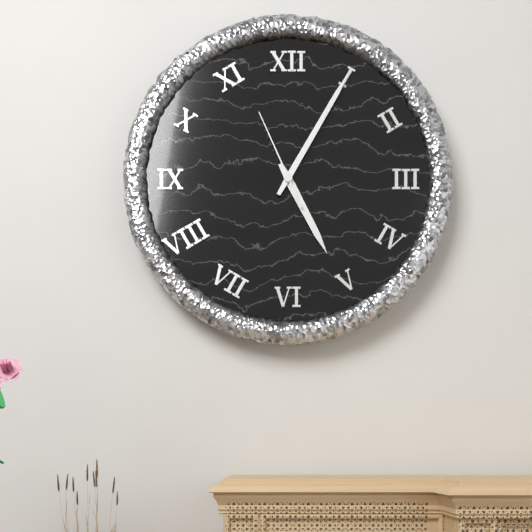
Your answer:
**5:05:56**
